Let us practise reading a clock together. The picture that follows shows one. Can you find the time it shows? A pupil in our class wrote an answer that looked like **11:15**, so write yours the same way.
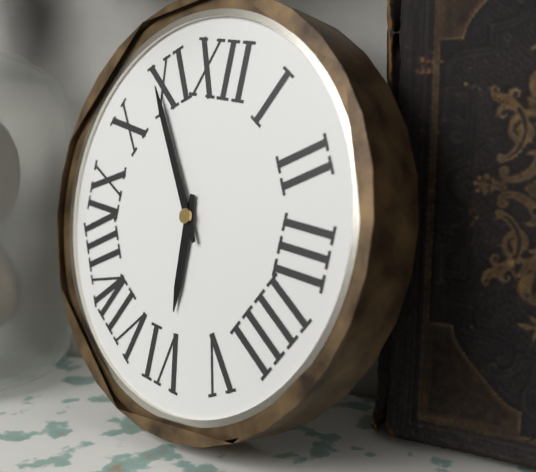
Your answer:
**5:54**
